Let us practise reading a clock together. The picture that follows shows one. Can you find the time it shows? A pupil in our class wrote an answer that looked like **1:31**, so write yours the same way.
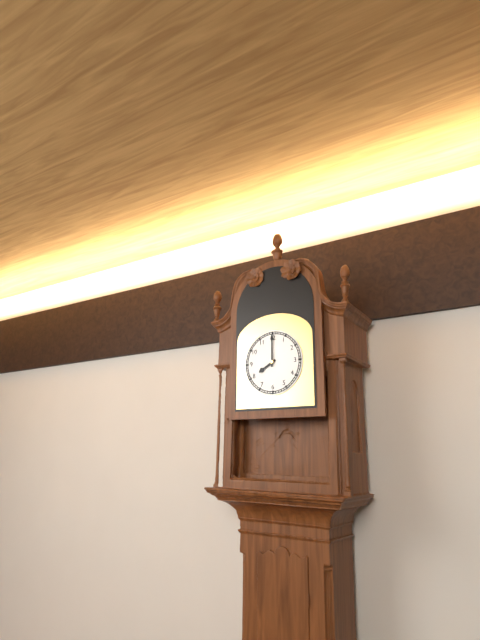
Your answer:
**8:00**
